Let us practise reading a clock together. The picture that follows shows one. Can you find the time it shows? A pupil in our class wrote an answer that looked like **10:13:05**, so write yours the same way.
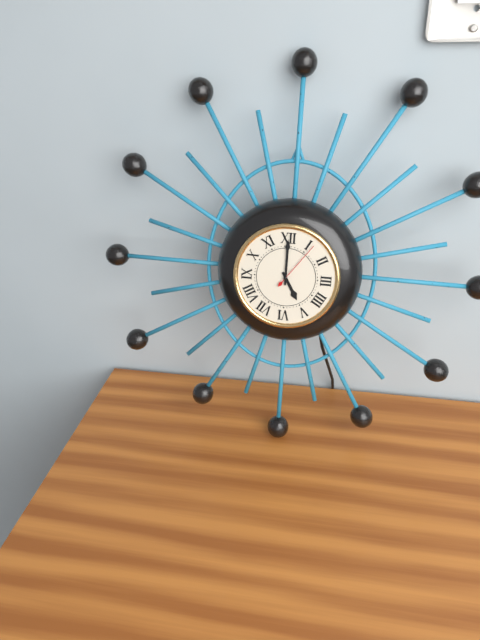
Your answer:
**5:00:06**
